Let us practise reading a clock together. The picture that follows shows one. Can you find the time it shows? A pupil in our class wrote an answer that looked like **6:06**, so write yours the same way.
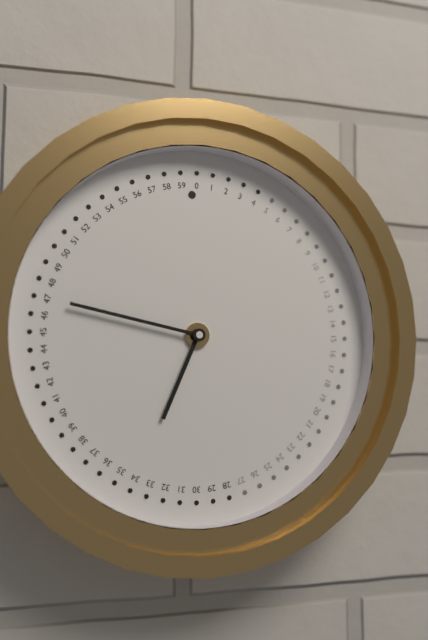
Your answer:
**6:47**
